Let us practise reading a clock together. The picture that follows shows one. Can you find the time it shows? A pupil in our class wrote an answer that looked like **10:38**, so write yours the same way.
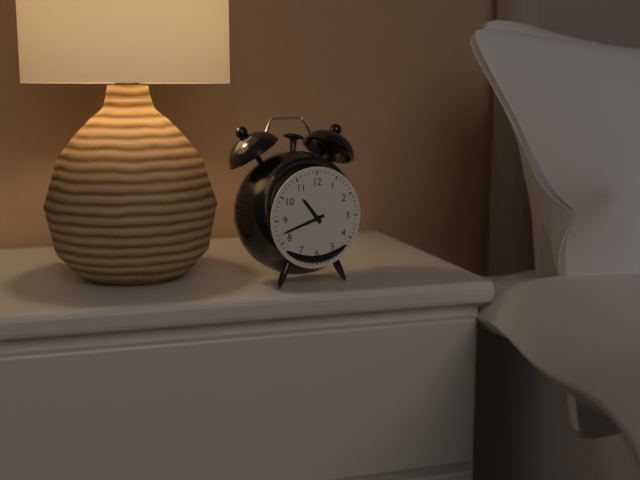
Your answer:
**10:42**
